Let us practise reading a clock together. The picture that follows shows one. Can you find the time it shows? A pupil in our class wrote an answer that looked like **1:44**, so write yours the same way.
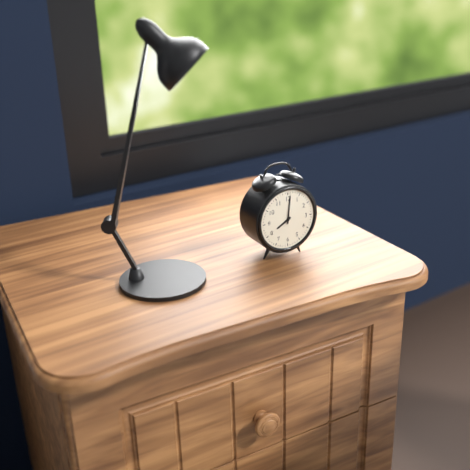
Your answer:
**8:01**
